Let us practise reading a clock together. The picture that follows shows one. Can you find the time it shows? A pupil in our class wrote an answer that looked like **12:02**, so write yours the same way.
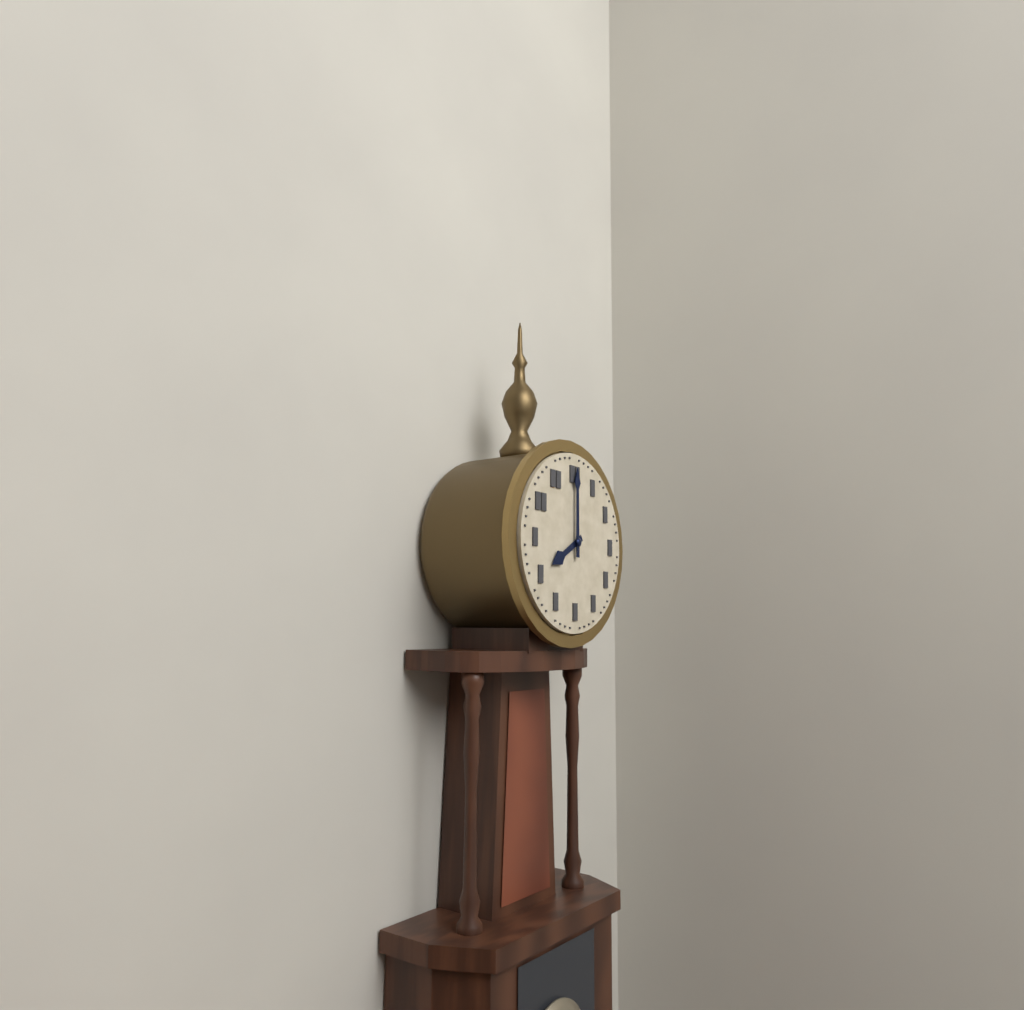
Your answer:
**8:00**
